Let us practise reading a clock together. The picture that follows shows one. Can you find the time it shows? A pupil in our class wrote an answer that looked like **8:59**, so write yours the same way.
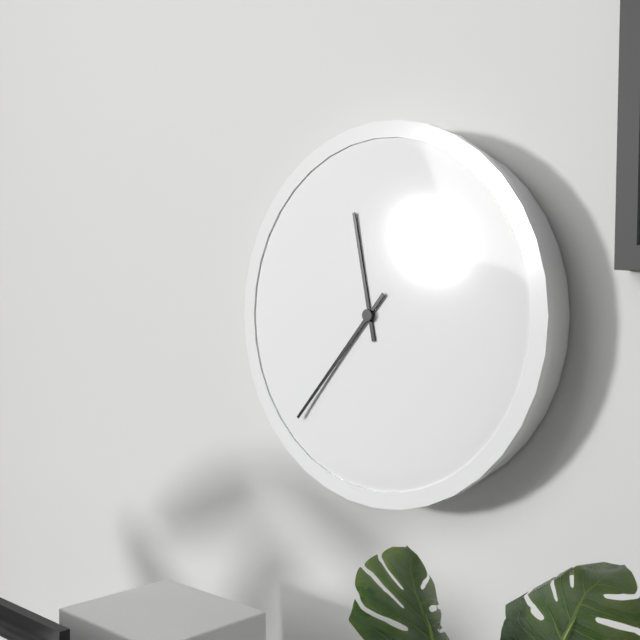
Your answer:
**11:37**
